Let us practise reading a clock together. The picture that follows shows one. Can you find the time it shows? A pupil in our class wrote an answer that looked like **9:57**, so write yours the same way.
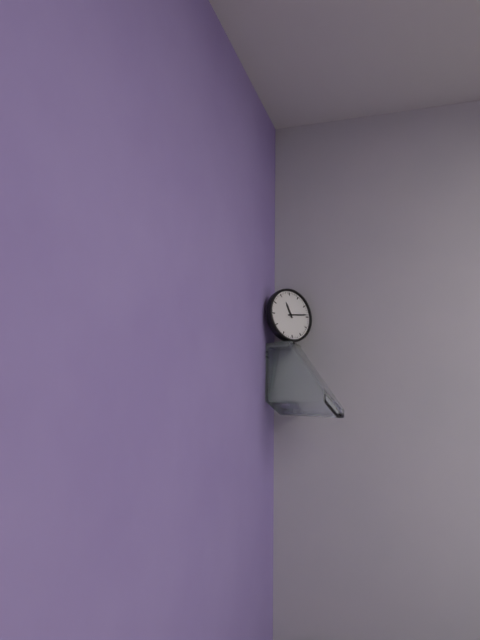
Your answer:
**11:14**
